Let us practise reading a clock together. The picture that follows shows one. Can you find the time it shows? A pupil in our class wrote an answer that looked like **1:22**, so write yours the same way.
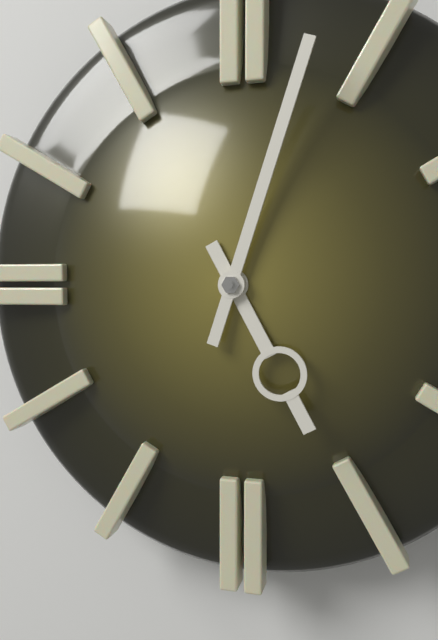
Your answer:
**5:03**
